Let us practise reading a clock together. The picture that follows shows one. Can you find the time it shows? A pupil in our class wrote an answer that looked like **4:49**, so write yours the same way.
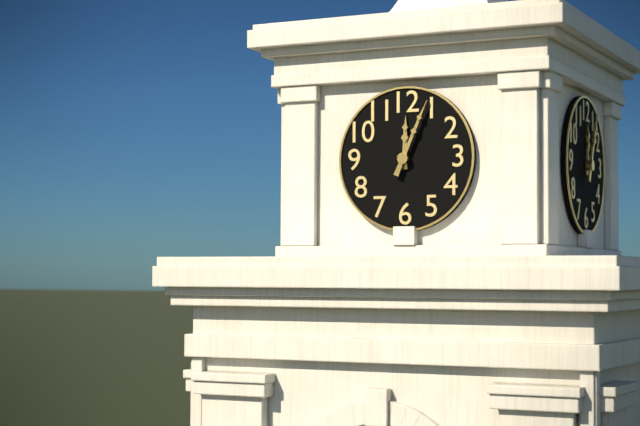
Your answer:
**12:04**
